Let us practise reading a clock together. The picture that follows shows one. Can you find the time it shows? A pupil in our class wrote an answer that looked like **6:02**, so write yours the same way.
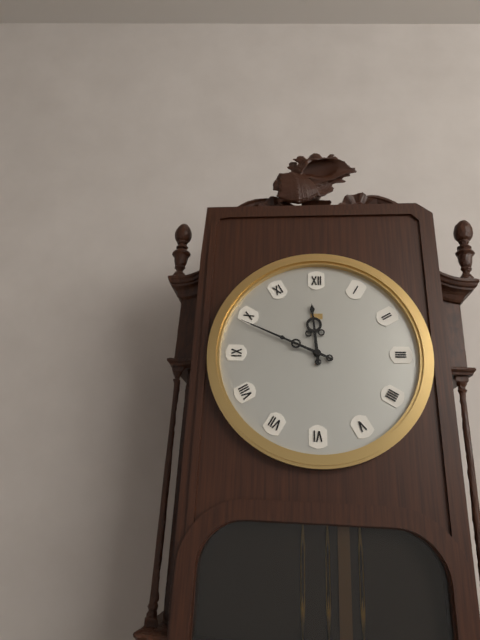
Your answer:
**11:49**
